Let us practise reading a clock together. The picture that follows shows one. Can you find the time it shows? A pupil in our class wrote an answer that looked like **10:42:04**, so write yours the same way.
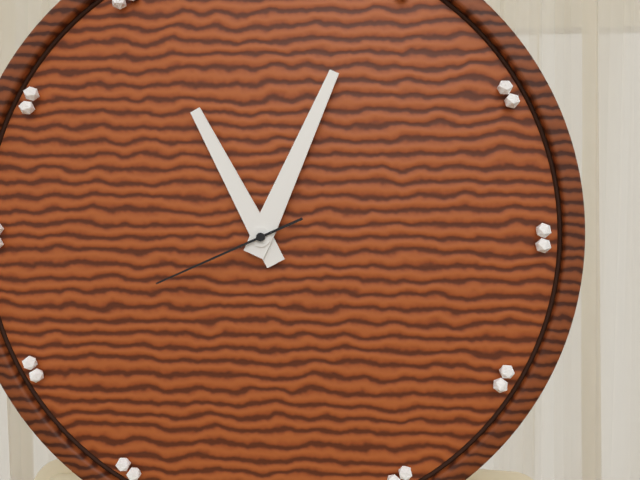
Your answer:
**11:04:41**
